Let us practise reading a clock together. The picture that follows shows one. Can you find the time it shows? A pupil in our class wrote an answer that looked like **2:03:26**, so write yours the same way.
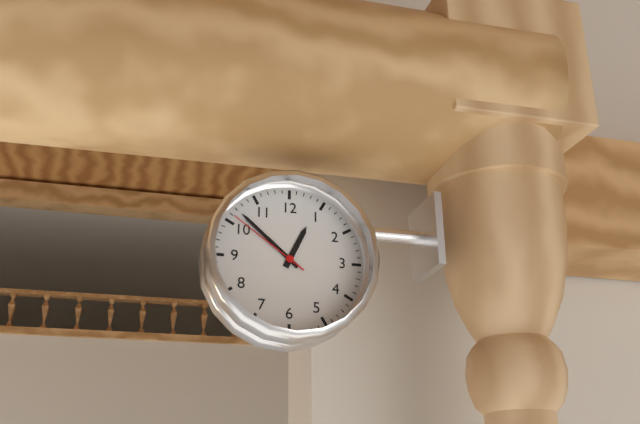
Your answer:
**12:52:51**
